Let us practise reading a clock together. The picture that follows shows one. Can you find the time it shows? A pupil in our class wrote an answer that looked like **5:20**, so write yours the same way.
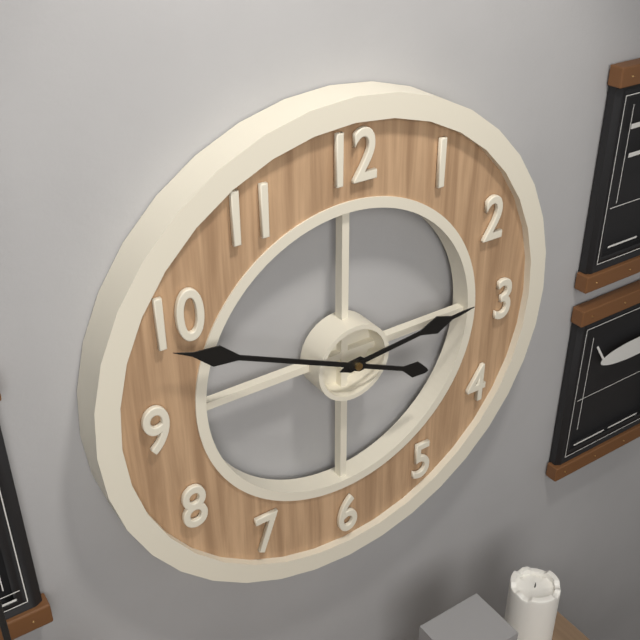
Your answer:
**2:49**
